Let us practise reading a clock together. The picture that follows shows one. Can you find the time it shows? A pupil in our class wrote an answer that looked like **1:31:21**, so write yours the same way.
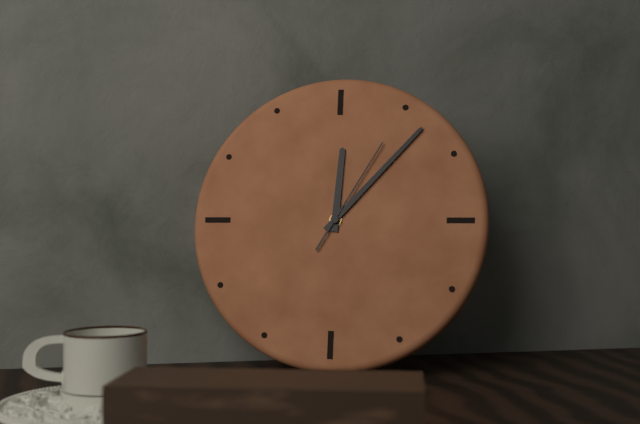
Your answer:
**12:07:05**
